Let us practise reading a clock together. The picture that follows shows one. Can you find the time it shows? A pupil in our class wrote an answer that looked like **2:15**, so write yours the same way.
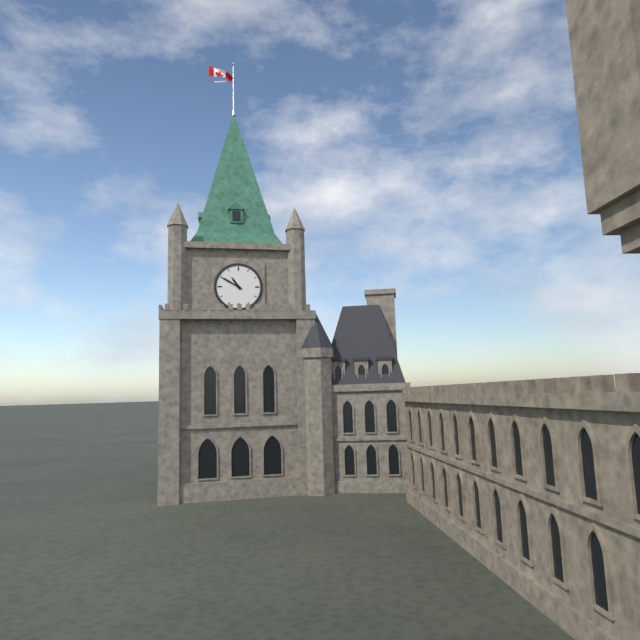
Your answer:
**10:50**
